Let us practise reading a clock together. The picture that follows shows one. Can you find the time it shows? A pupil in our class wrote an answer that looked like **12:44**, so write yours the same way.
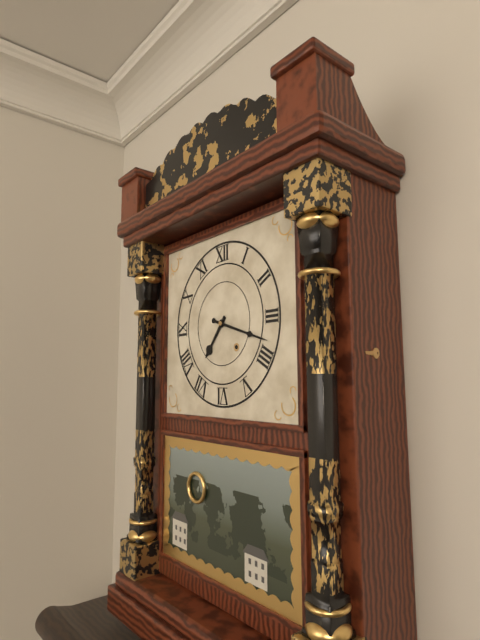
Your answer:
**7:18**
